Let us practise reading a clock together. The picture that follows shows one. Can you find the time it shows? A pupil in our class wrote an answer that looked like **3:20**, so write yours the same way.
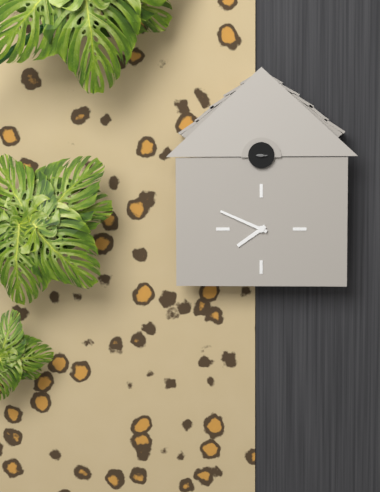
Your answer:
**7:49**
